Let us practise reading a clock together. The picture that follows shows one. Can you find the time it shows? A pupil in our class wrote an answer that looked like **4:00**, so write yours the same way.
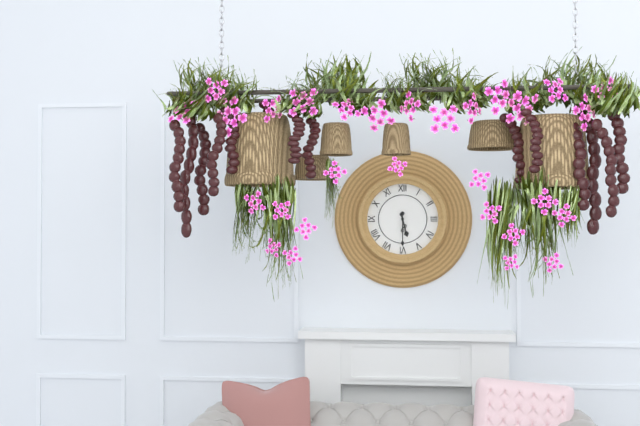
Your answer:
**5:30**
